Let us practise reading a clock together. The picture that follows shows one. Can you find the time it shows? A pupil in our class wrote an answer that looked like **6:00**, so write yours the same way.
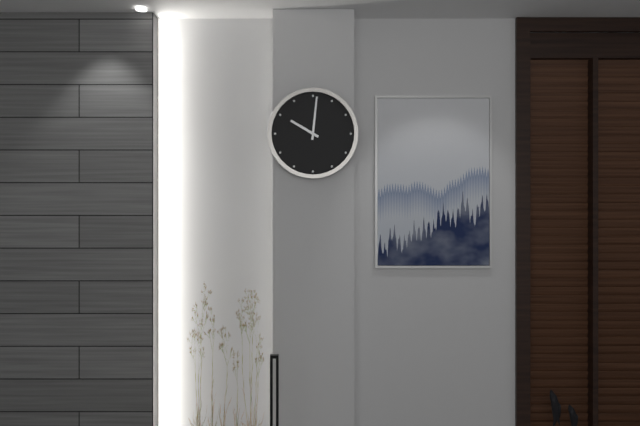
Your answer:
**10:01**
